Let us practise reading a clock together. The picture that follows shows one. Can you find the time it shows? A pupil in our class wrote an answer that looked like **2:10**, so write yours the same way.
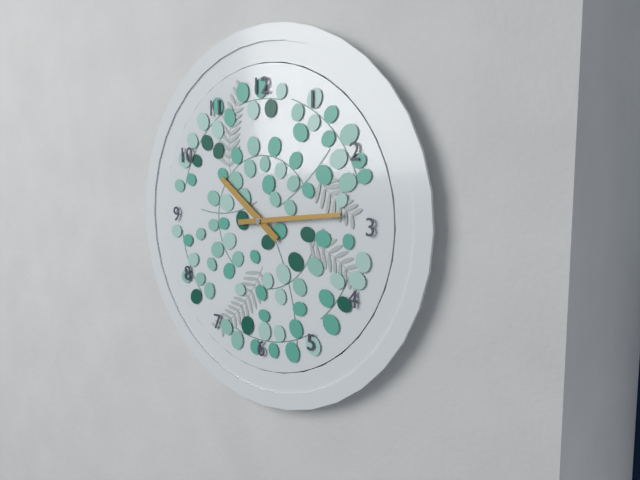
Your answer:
**10:14**
